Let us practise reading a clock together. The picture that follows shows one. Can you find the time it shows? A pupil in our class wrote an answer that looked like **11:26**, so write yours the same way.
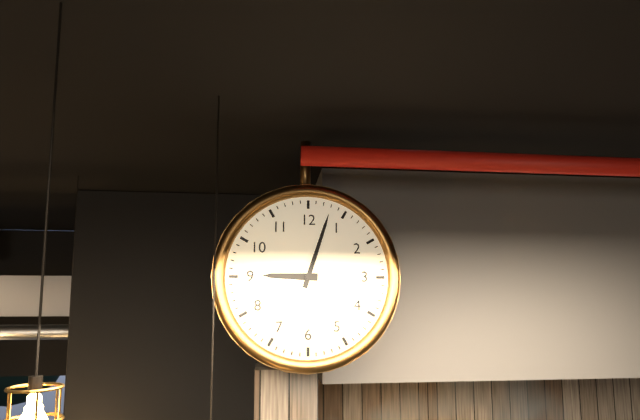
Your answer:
**9:03**
